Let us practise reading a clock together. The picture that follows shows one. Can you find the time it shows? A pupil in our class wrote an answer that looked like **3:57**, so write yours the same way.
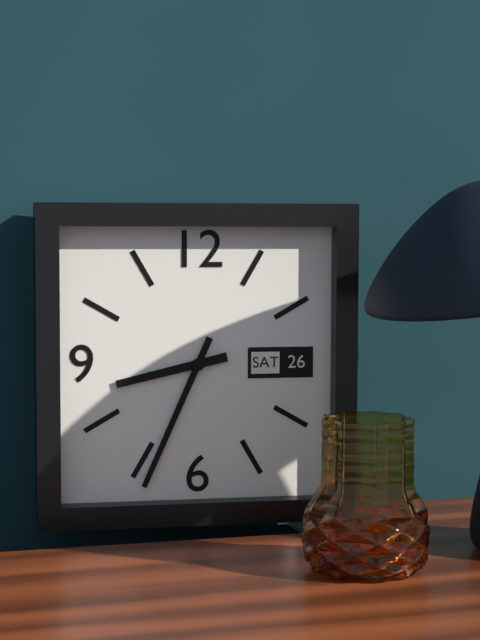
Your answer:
**8:34**
